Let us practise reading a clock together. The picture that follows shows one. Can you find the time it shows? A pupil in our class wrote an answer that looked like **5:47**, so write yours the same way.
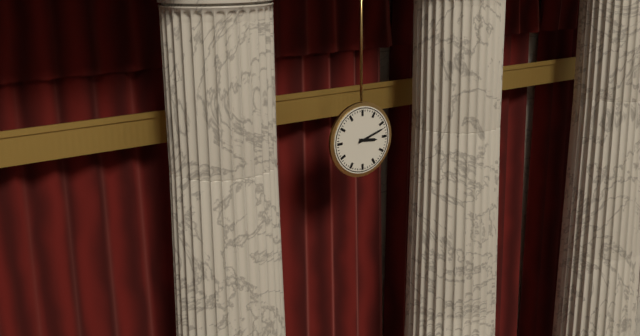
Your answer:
**3:12**
